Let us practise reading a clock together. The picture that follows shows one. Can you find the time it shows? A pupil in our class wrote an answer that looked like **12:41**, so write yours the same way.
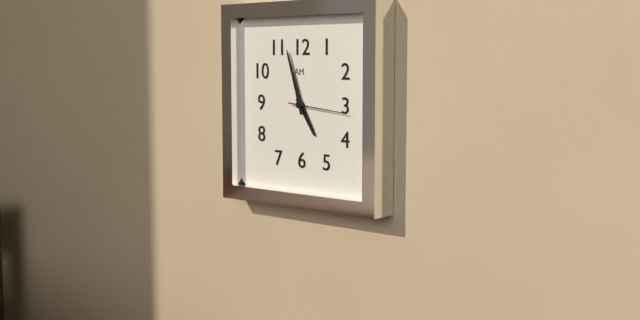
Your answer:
**4:57**
